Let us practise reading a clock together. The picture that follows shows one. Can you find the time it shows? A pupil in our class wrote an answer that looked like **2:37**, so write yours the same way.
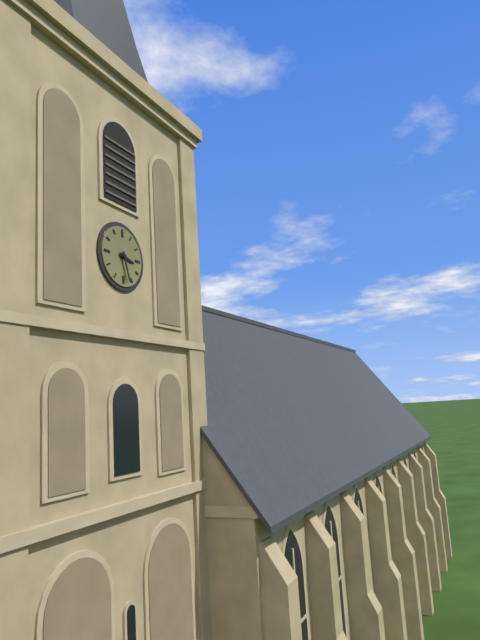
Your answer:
**3:27**
